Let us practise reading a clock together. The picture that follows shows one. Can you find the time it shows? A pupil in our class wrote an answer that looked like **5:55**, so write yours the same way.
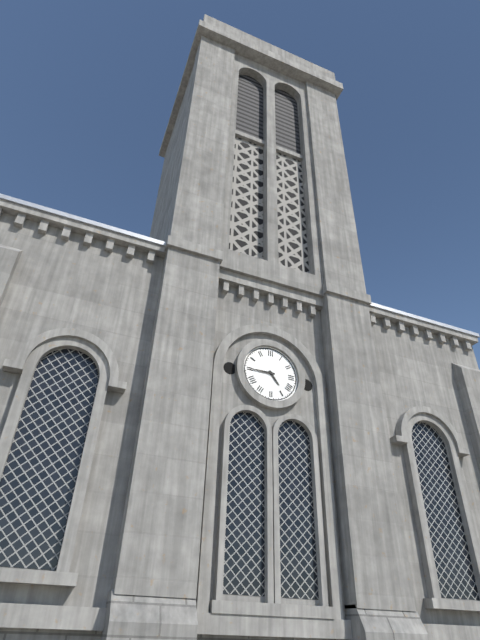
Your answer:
**4:45**
